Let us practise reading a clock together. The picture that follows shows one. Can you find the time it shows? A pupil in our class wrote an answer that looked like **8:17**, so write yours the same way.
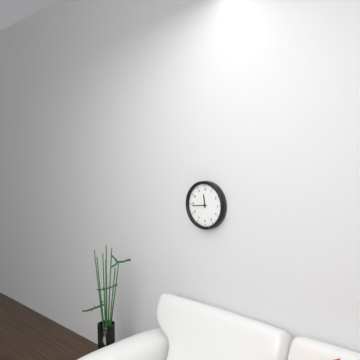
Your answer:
**11:44**
